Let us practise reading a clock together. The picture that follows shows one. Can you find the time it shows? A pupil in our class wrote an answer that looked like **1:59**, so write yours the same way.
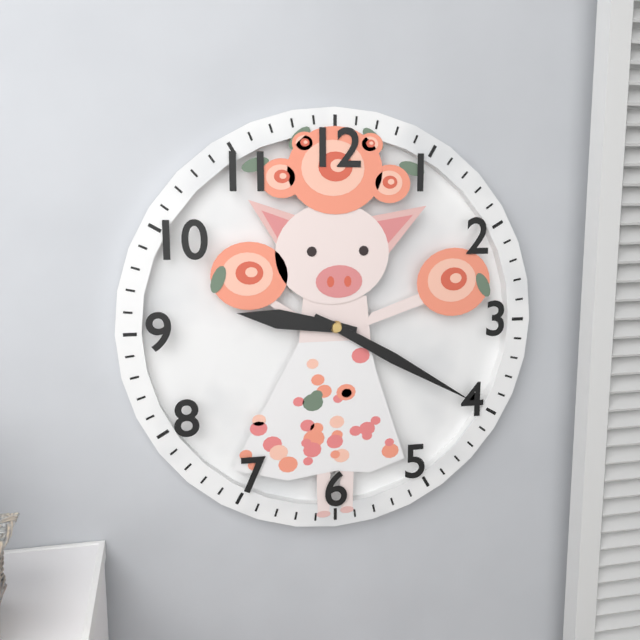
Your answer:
**9:20**
